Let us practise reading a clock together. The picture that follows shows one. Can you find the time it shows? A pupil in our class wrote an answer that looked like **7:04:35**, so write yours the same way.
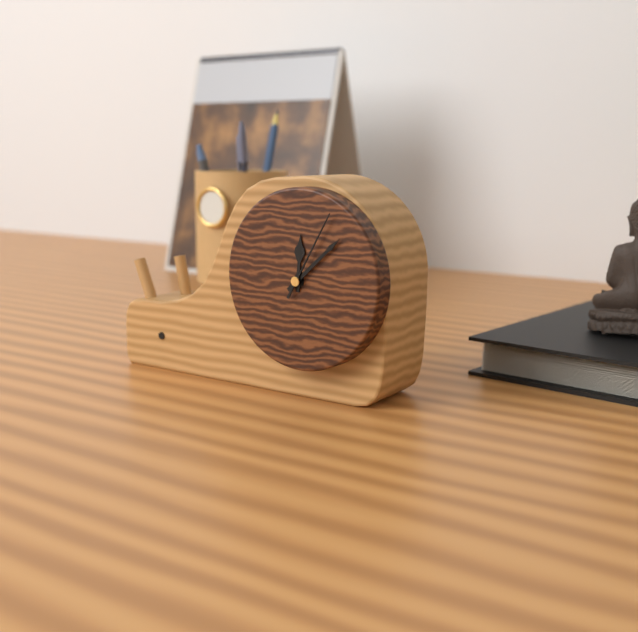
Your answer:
**12:08:05**
